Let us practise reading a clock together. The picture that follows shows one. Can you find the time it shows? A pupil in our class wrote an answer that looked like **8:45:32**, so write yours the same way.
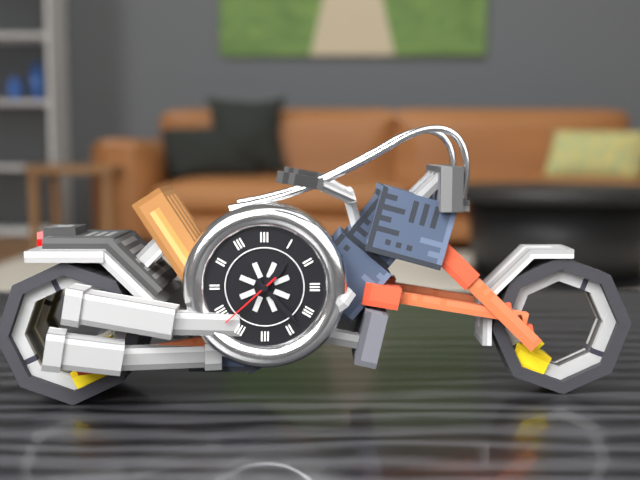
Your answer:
**1:23:38**
